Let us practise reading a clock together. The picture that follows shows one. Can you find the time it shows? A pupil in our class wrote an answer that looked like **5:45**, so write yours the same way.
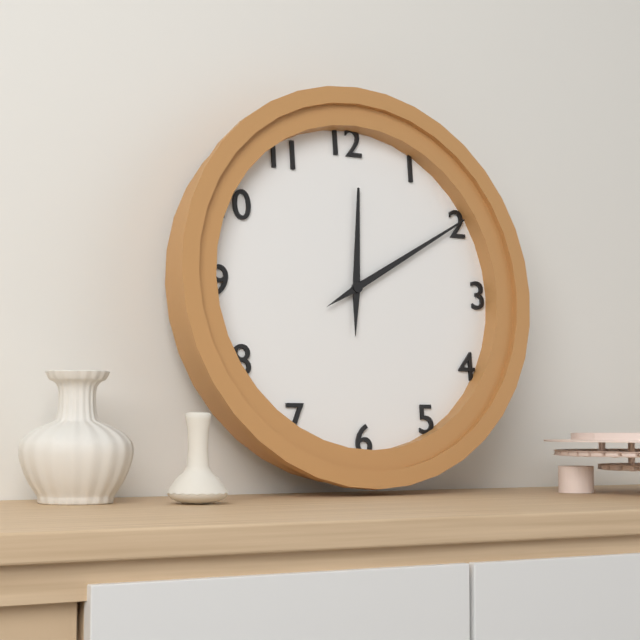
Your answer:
**12:10**
